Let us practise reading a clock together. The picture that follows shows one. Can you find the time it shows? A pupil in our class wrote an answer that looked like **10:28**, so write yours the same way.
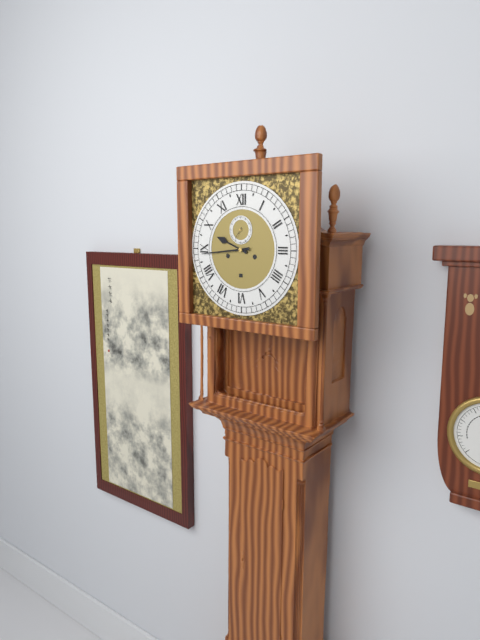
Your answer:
**9:44**
